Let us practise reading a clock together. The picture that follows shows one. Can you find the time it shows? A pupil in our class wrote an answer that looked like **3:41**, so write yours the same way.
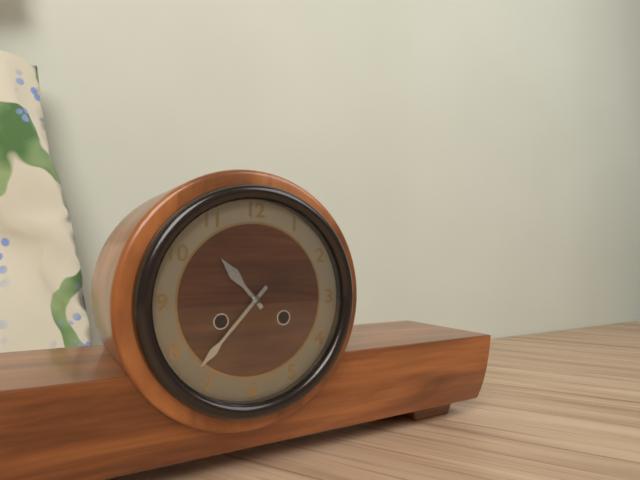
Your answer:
**10:37**
